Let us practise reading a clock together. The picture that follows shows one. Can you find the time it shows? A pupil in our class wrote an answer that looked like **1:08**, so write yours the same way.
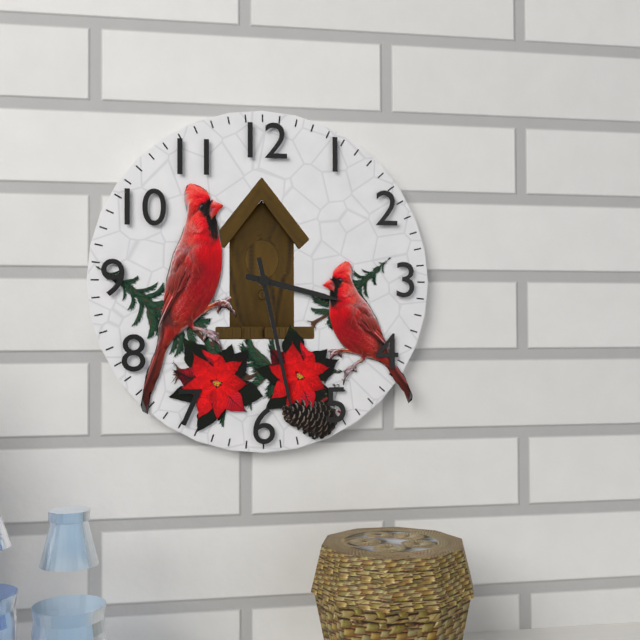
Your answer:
**3:28**
